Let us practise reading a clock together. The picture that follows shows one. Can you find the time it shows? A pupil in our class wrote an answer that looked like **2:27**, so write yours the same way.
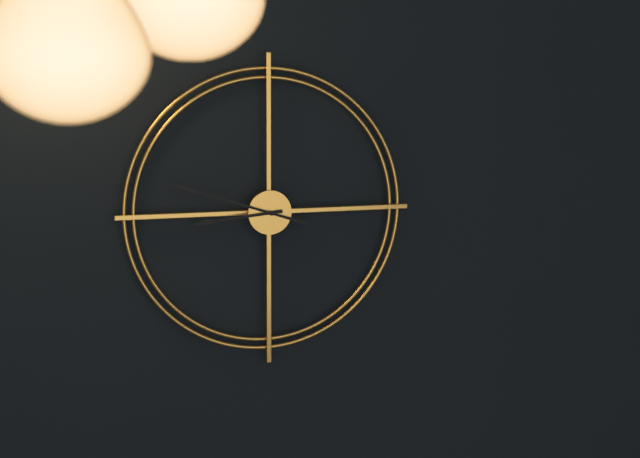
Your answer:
**8:48**
